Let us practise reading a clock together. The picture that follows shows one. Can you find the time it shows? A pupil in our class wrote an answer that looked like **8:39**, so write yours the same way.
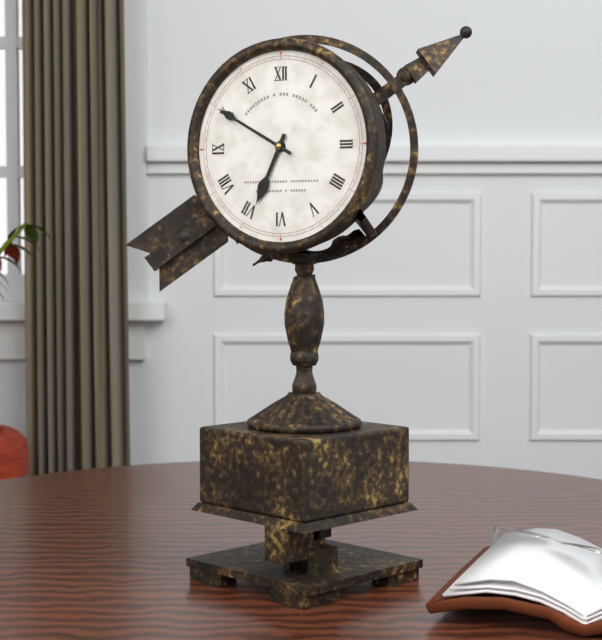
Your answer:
**6:50**
